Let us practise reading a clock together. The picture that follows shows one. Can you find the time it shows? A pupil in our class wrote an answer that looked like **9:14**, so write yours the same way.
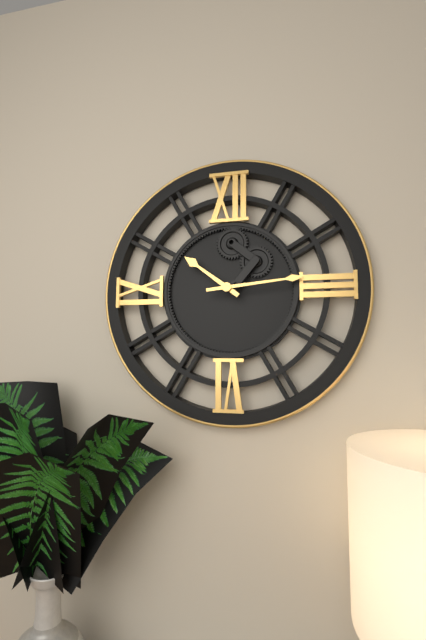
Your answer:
**10:14**
